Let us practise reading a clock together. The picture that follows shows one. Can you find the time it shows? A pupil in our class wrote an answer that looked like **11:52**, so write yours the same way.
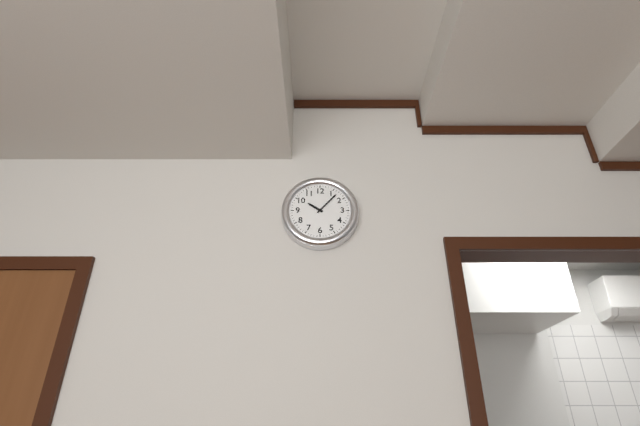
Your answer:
**10:07**
